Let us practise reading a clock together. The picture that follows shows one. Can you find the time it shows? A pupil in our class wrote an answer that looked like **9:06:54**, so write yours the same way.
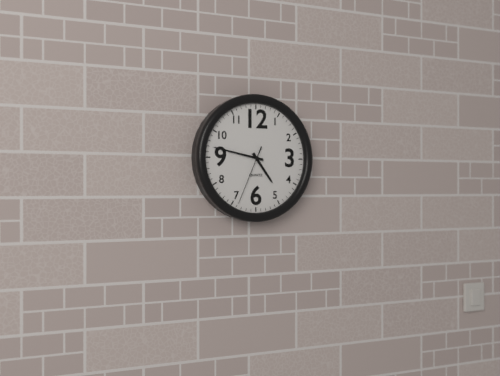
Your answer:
**4:47:34**
